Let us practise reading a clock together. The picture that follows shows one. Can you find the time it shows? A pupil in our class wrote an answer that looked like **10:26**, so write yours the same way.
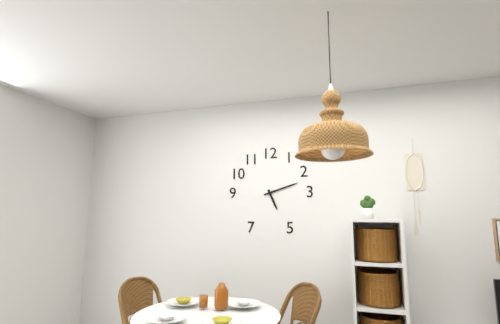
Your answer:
**5:12**
